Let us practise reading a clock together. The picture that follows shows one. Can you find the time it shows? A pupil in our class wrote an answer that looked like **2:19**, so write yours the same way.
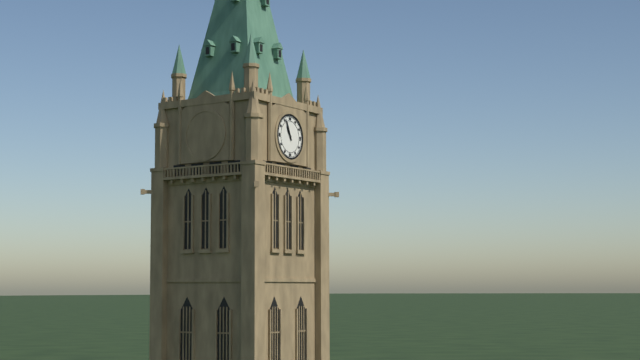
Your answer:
**10:56**
